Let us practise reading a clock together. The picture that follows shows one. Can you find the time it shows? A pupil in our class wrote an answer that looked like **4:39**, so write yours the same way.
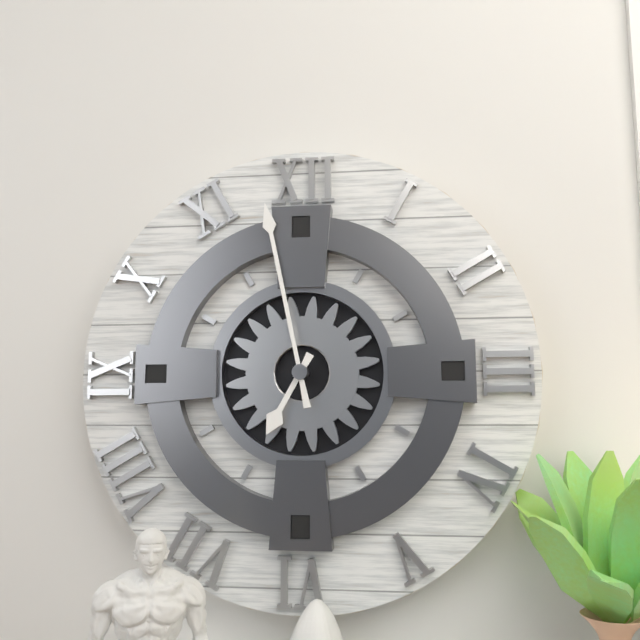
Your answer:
**6:58**
